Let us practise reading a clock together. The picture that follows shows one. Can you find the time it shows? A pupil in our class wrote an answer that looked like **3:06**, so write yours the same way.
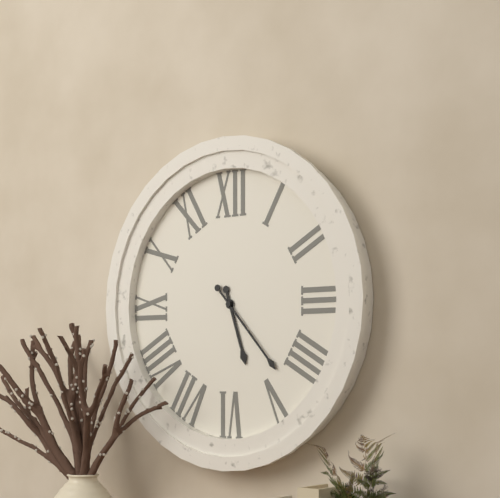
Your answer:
**5:23**
